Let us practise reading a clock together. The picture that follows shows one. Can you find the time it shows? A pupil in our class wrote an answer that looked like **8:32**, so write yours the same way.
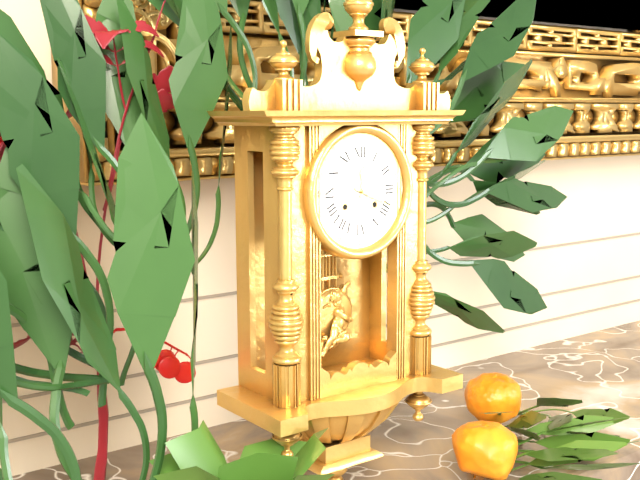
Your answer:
**12:19**
